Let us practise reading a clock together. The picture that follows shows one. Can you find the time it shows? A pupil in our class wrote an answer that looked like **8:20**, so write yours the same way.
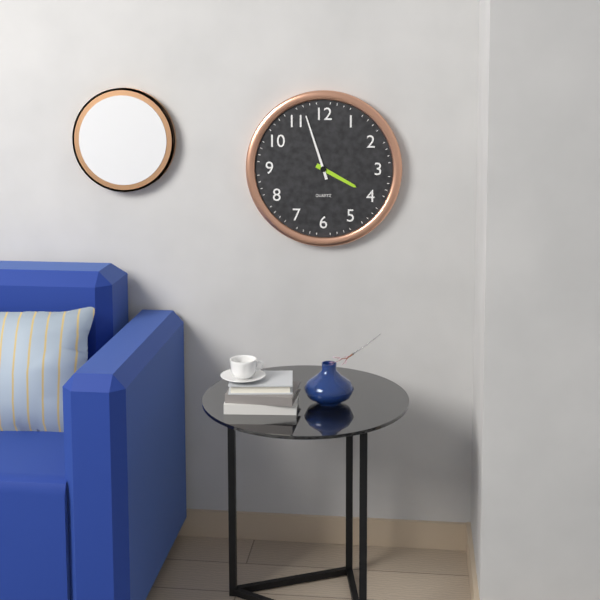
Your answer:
**3:57**
